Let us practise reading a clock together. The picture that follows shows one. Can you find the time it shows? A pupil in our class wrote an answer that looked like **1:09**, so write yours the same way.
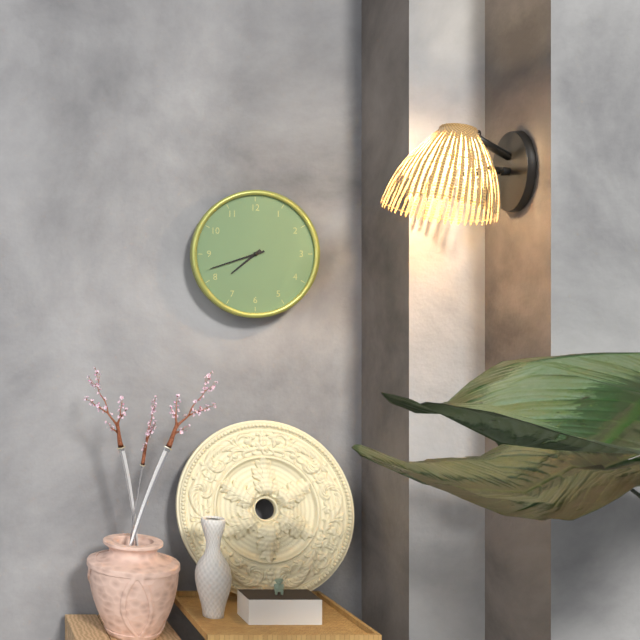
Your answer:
**7:42**
